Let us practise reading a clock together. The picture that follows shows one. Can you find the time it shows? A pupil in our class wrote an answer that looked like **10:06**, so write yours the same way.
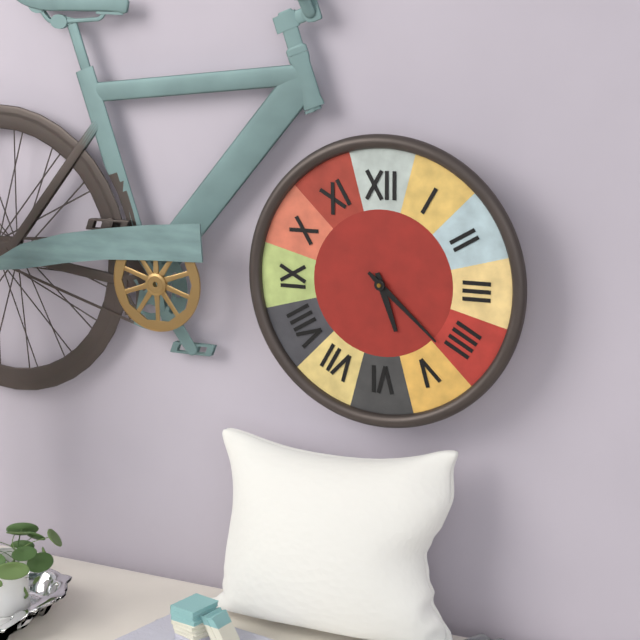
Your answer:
**5:22**
